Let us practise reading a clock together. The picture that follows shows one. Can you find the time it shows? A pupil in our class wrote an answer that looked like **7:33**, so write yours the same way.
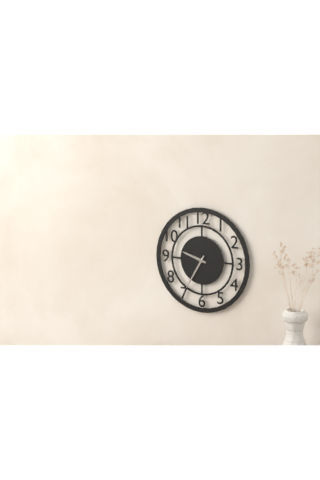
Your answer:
**9:35**
